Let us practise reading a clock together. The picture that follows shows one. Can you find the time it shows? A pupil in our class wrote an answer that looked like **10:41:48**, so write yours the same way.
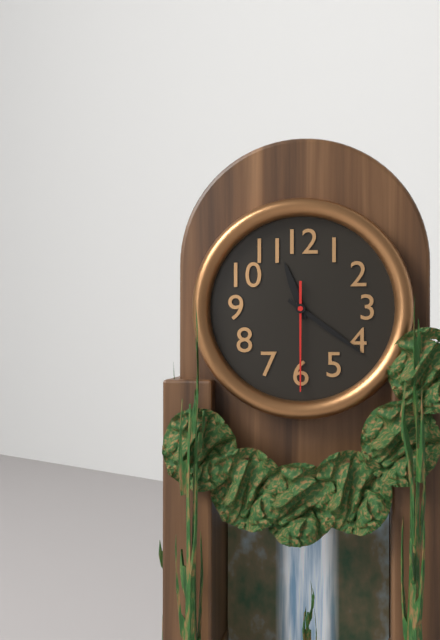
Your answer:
**11:21:30**
